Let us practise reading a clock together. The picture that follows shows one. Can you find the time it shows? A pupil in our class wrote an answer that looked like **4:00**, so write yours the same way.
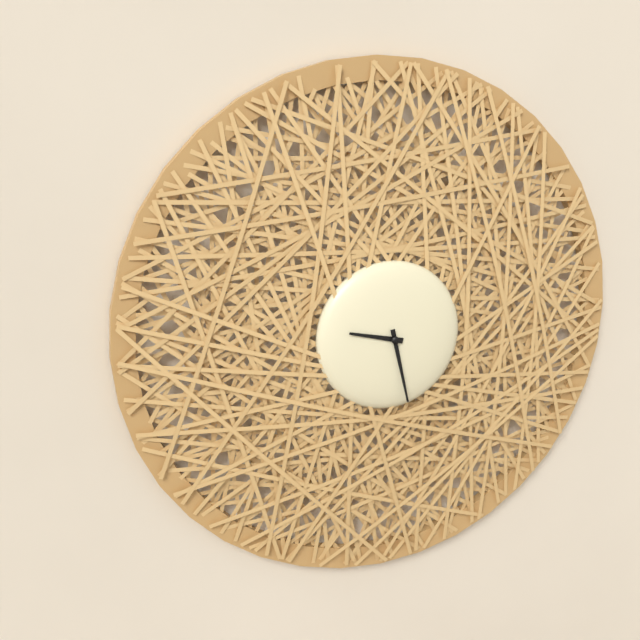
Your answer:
**9:28**
